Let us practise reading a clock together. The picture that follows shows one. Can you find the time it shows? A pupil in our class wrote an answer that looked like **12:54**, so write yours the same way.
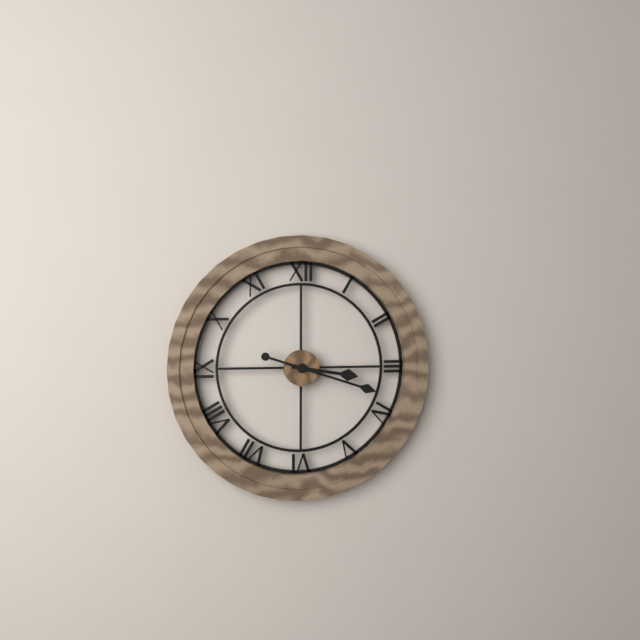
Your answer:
**3:18**
